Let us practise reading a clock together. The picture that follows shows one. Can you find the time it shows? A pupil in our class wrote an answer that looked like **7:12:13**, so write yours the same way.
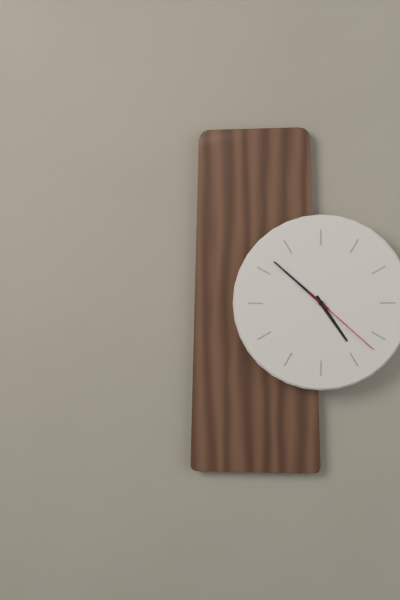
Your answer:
**4:52:22**
